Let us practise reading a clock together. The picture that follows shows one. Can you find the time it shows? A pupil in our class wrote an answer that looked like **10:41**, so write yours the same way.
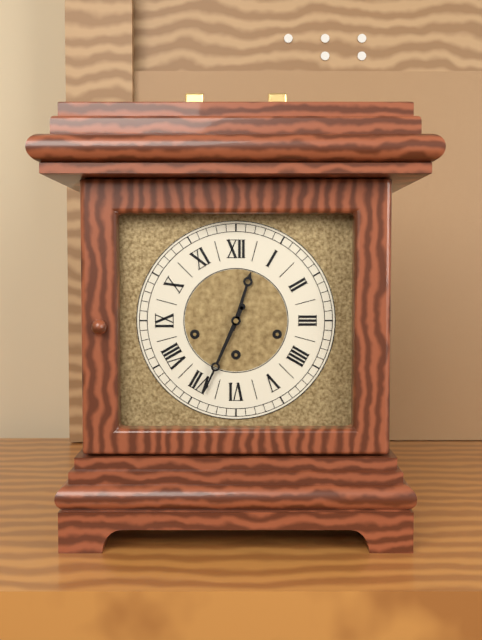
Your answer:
**12:34**
